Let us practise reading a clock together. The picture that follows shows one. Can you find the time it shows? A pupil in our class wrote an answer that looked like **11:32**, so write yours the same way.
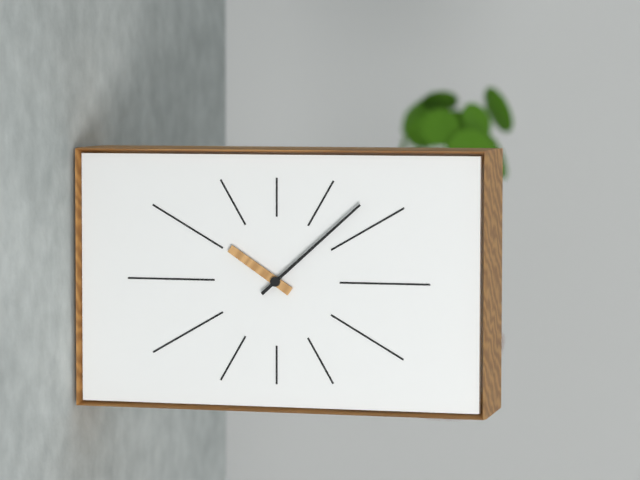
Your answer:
**10:08**
